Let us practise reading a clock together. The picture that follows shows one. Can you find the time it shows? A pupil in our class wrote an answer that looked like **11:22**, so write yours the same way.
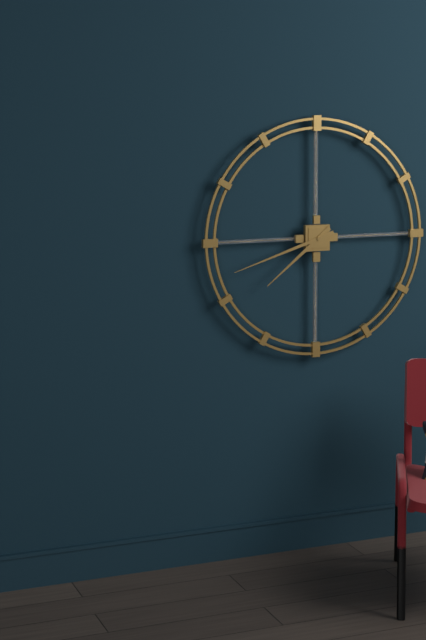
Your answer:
**7:42**
